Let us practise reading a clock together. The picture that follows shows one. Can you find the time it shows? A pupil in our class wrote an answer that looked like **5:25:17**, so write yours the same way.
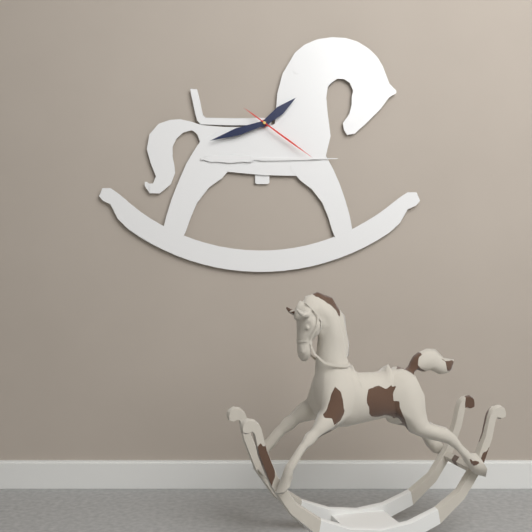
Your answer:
**1:42:21**
